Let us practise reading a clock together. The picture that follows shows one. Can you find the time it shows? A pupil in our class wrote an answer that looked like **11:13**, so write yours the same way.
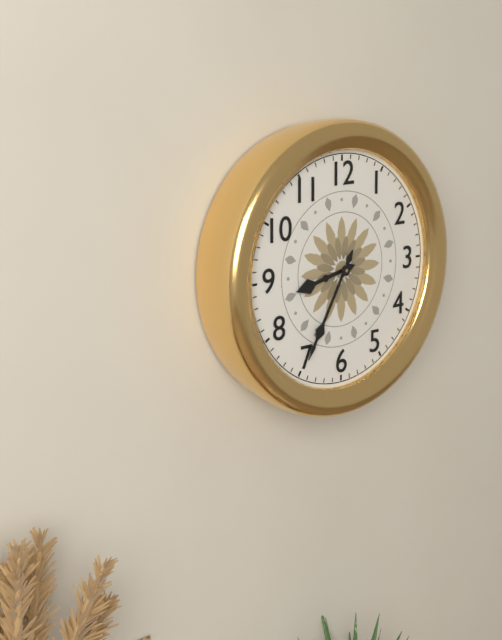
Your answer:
**8:35**
